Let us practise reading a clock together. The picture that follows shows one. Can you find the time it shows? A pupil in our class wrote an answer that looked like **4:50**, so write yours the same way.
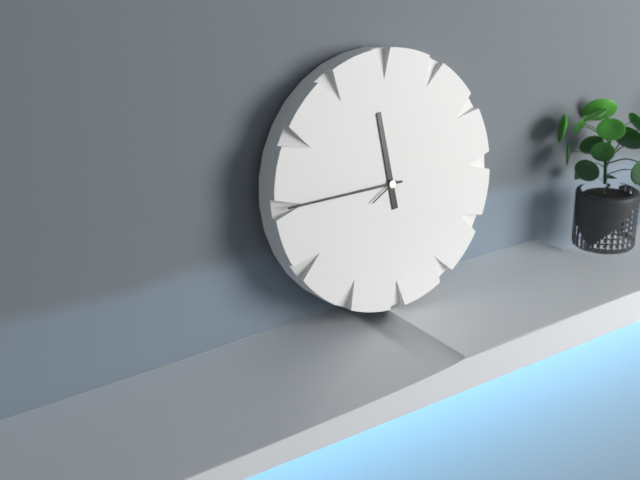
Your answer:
**11:45**
